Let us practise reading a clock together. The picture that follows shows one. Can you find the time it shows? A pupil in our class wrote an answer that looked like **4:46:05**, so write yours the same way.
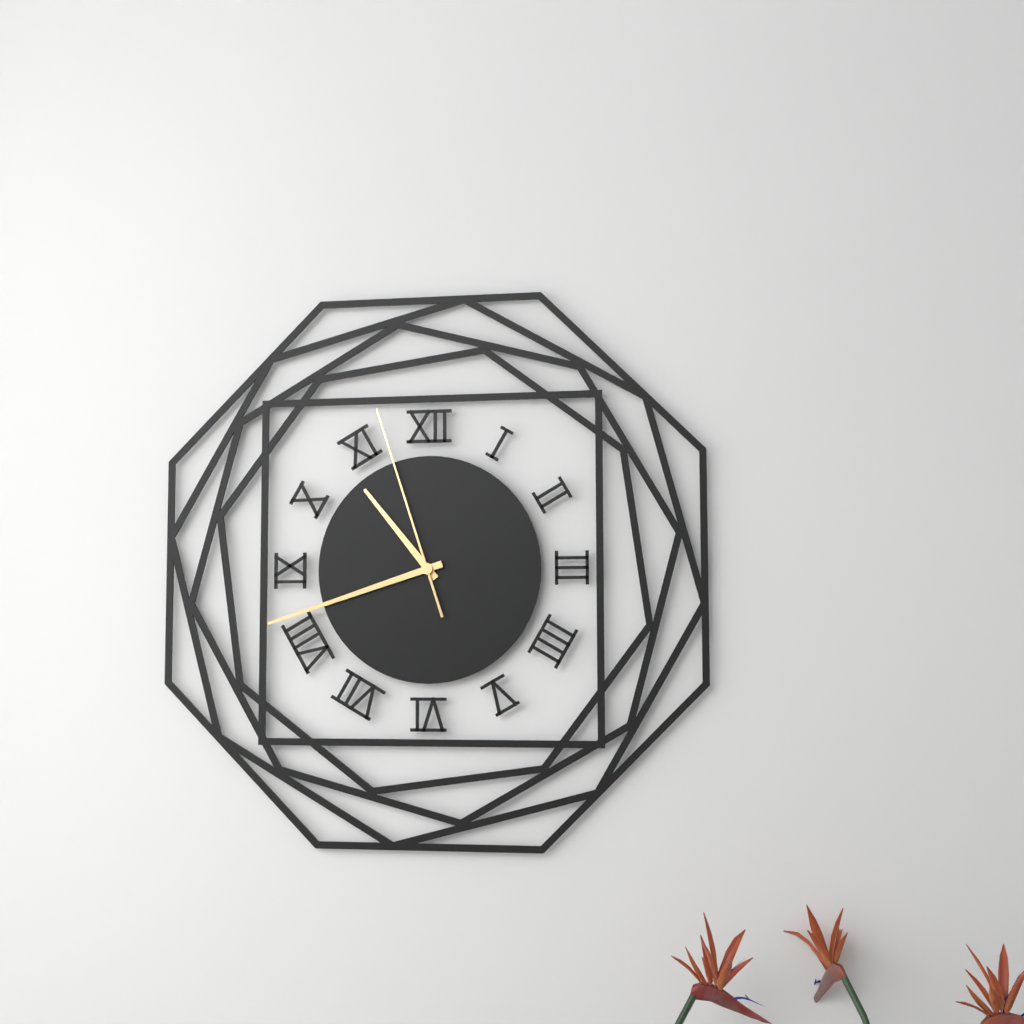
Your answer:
**10:42:57**
